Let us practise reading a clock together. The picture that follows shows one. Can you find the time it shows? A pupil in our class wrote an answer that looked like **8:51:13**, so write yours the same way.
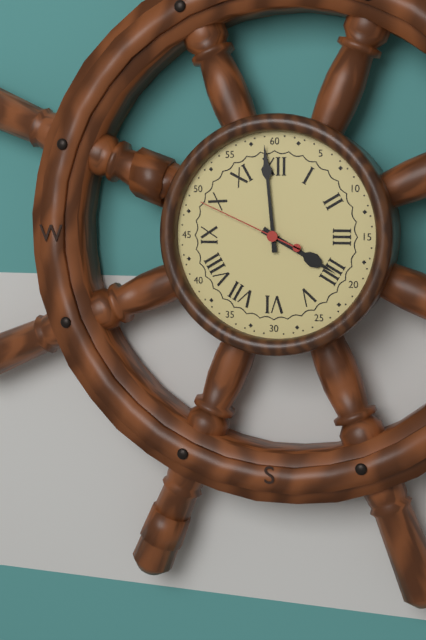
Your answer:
**3:59:49**
